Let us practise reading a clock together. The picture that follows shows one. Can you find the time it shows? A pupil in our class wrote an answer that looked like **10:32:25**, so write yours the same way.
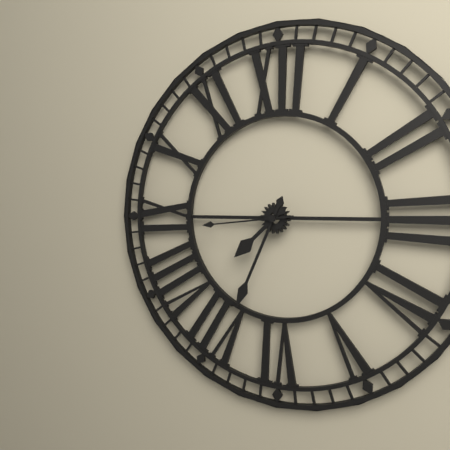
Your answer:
**7:34:44**
